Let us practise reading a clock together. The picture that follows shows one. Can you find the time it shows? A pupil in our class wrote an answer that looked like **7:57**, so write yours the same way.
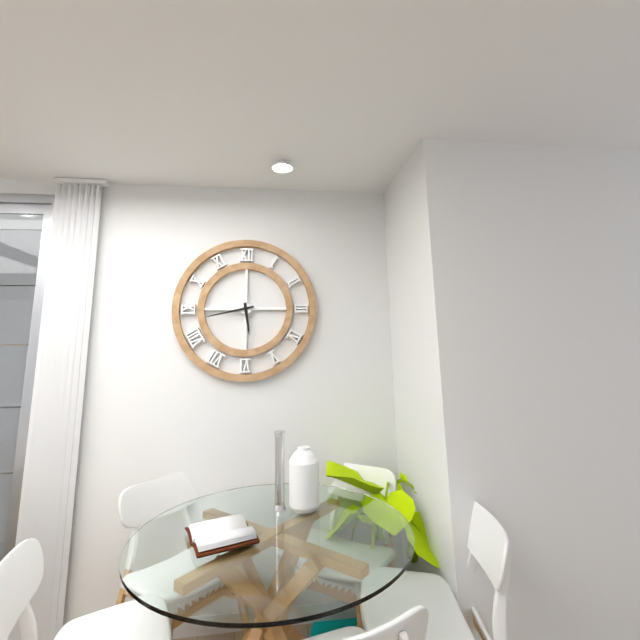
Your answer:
**5:43**
